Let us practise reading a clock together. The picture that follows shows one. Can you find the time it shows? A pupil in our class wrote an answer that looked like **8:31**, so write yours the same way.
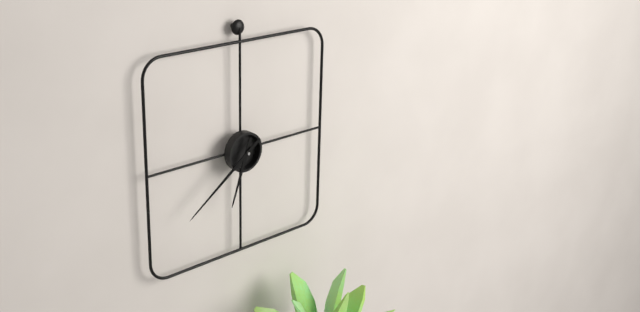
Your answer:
**6:39**
